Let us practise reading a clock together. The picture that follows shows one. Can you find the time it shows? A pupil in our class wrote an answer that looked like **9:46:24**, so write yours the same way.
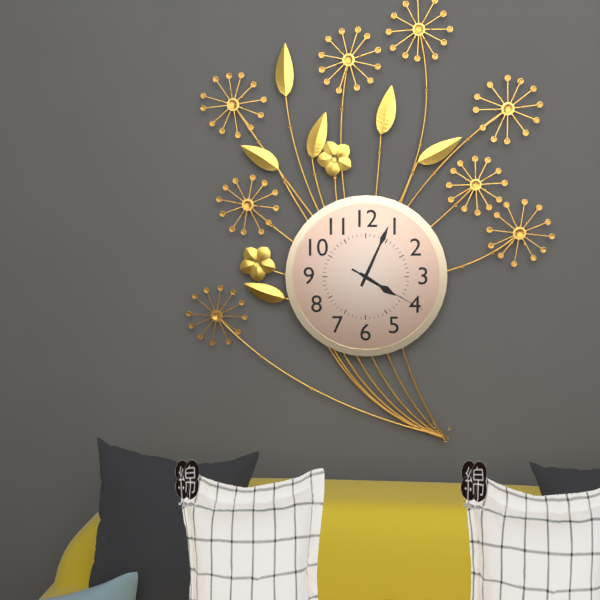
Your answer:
**4:04:20**
